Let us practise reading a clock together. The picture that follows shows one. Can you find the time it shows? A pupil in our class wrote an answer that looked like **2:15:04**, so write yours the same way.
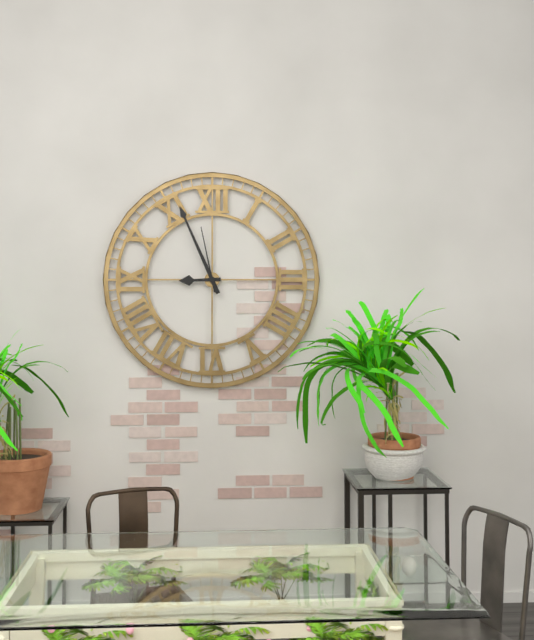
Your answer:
**8:56:58**
